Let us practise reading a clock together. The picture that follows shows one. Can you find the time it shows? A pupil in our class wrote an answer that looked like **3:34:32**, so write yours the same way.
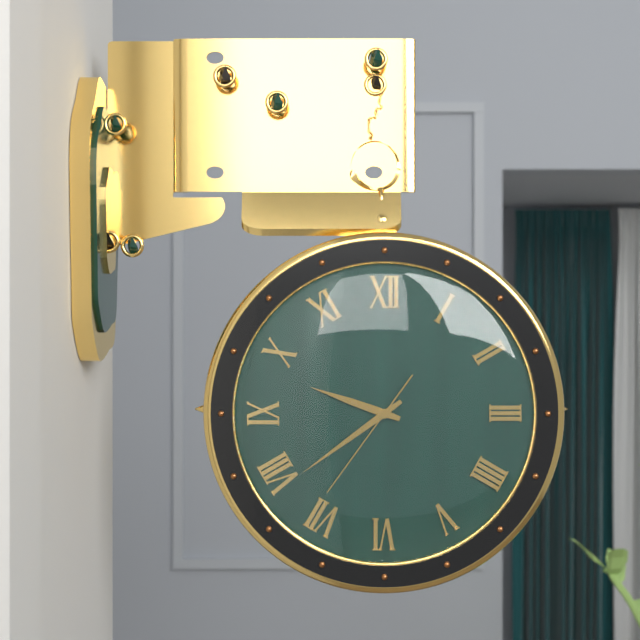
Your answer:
**9:39:36**
